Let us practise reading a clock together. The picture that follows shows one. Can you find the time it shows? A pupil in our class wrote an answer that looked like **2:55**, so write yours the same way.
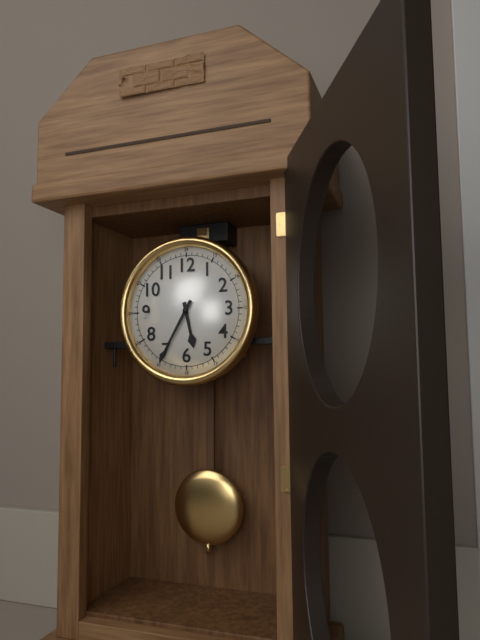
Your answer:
**5:35**
